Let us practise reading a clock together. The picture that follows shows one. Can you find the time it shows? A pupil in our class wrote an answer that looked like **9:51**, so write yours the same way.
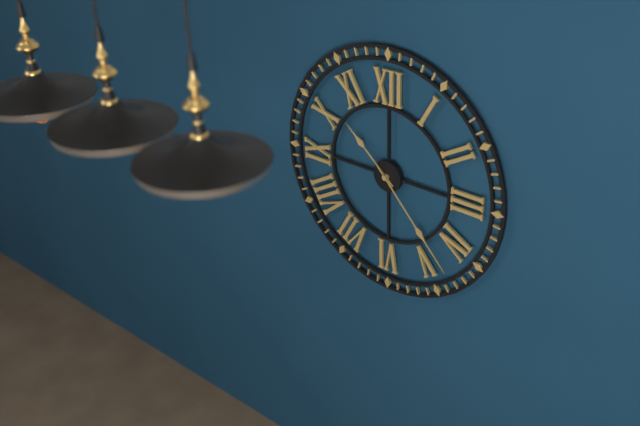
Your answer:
**10:23**
